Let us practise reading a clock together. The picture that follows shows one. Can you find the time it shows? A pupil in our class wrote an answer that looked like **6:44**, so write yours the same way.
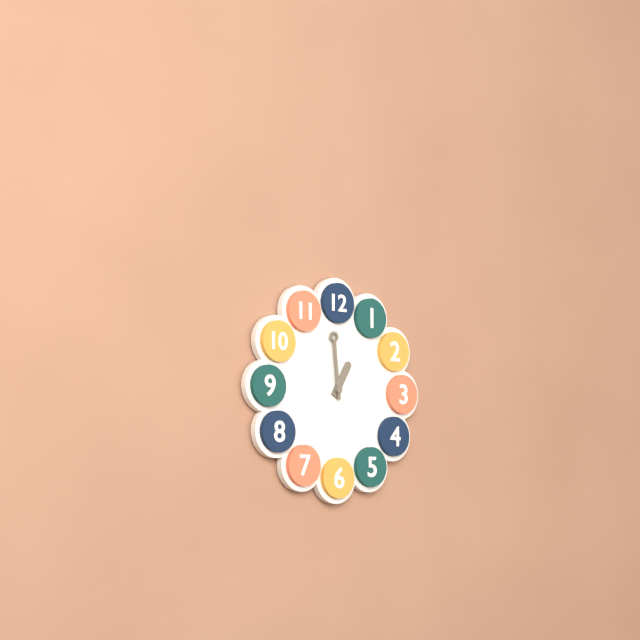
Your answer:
**12:59**
